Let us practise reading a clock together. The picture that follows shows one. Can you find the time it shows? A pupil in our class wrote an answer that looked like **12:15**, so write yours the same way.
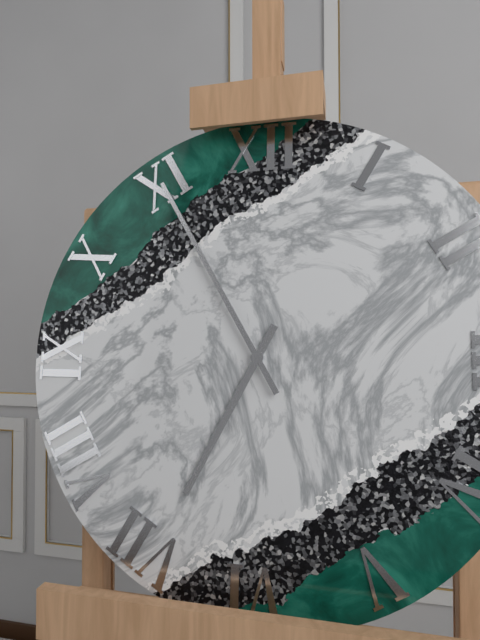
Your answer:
**6:55**
